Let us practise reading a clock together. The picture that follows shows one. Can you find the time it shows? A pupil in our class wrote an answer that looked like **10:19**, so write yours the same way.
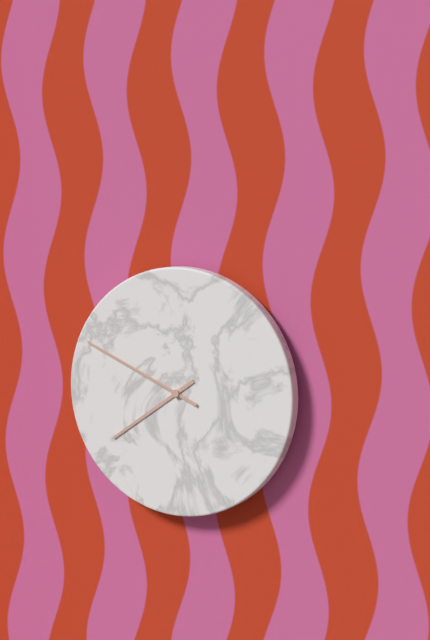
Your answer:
**7:49**
